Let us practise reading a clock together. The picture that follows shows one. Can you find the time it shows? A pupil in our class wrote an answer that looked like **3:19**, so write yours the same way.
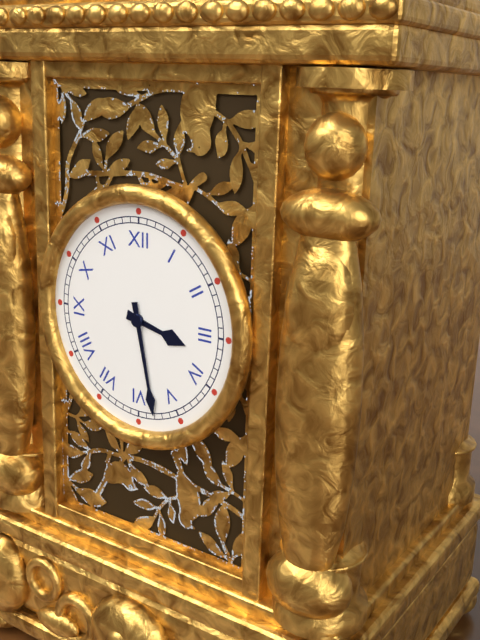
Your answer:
**3:28**
